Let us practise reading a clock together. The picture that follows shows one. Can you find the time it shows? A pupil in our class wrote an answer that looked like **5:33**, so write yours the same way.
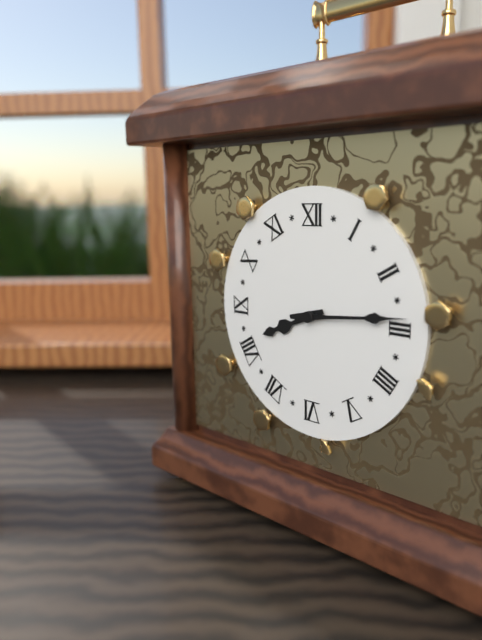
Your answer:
**8:14**
